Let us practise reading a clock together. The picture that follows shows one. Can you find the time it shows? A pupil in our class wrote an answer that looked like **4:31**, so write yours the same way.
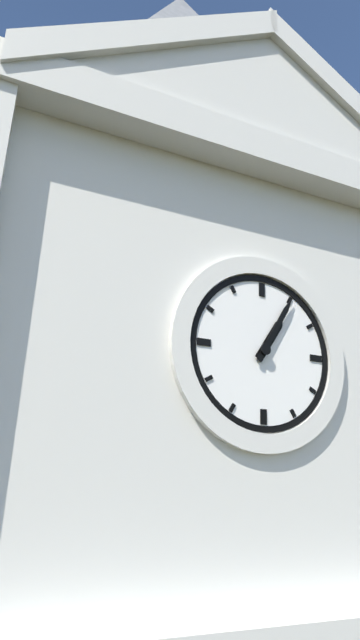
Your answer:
**1:05**
